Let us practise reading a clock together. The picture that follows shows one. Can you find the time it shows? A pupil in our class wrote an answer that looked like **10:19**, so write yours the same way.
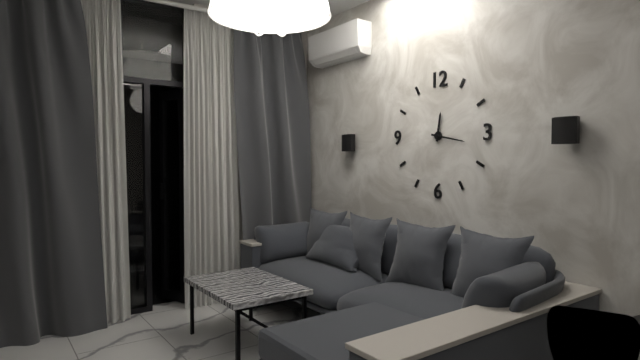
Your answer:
**12:17**
